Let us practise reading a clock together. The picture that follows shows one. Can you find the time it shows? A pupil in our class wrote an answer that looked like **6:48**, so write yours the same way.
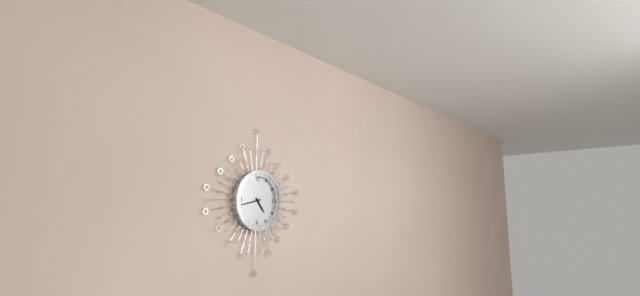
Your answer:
**4:43**
